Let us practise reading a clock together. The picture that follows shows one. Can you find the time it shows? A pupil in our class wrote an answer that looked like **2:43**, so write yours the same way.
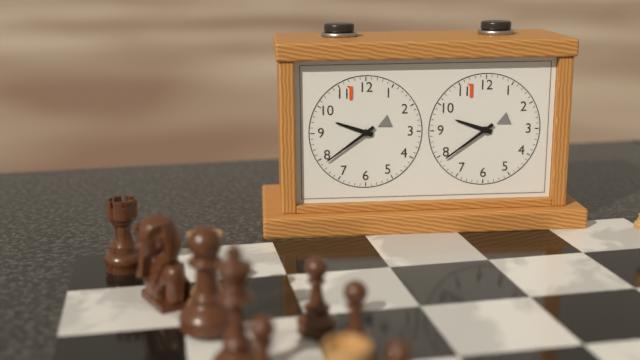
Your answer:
**9:39**
